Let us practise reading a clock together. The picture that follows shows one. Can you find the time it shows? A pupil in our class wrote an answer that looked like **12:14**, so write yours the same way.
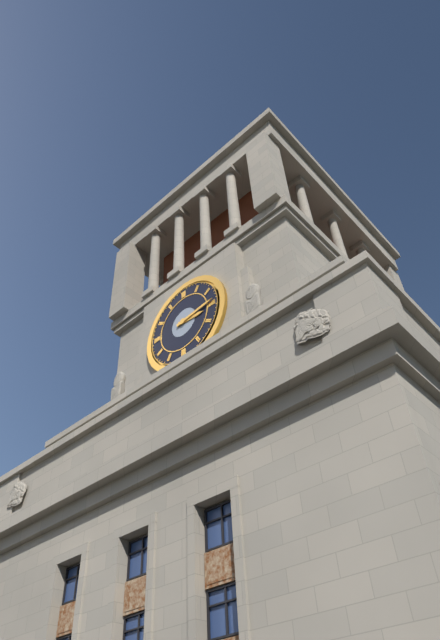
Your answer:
**3:14**
